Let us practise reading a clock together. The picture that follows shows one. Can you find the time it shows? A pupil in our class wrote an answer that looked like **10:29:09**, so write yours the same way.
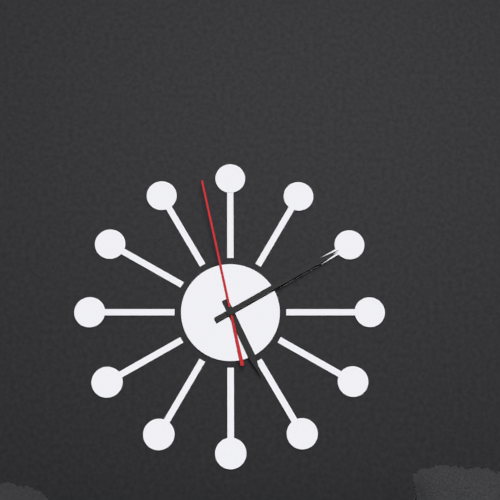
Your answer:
**5:10:58**
